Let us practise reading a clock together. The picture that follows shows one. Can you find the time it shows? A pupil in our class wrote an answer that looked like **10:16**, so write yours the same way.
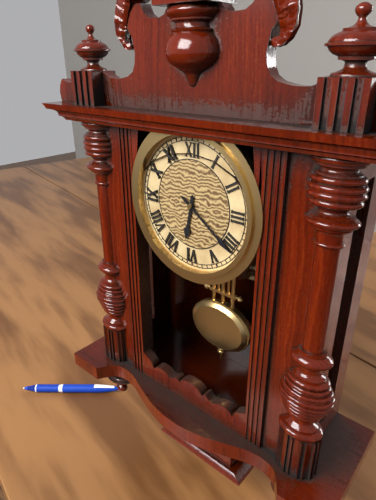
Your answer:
**6:21**
